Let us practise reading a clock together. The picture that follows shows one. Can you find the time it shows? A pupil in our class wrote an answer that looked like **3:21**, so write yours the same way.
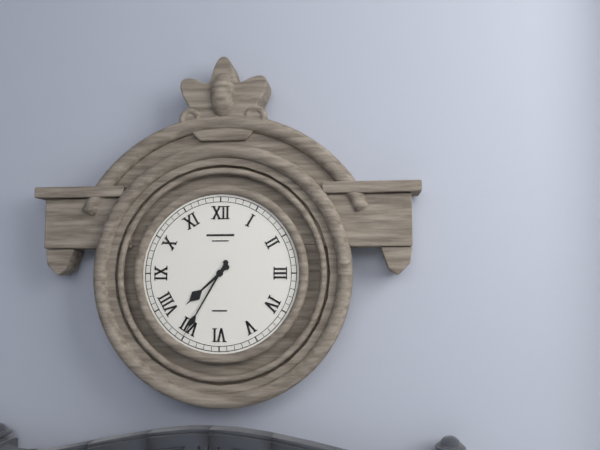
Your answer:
**7:35**
